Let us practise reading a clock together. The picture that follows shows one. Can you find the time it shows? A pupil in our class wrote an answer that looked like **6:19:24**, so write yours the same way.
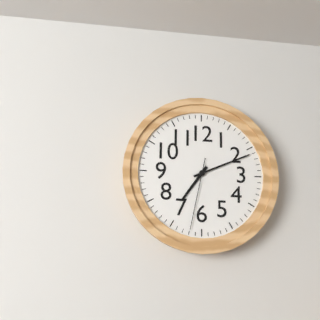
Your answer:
**7:11:32**
